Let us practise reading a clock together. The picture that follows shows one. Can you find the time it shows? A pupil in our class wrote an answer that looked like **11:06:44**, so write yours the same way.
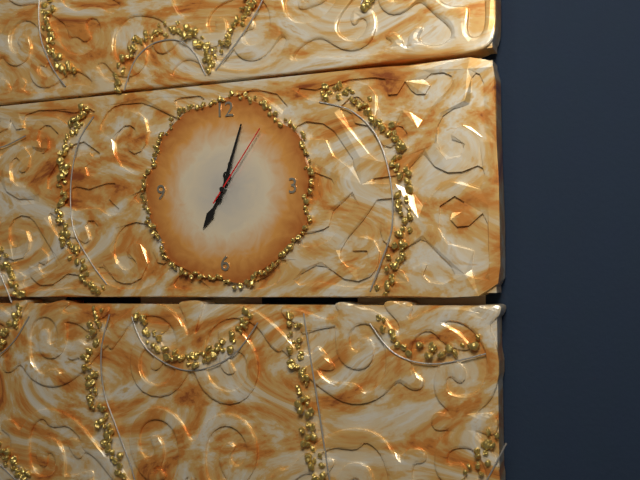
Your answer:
**7:03:06**
